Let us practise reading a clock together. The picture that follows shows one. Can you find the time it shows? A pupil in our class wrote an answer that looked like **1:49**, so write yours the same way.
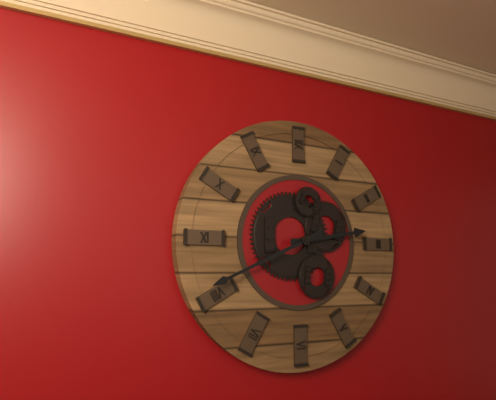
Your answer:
**2:41**
